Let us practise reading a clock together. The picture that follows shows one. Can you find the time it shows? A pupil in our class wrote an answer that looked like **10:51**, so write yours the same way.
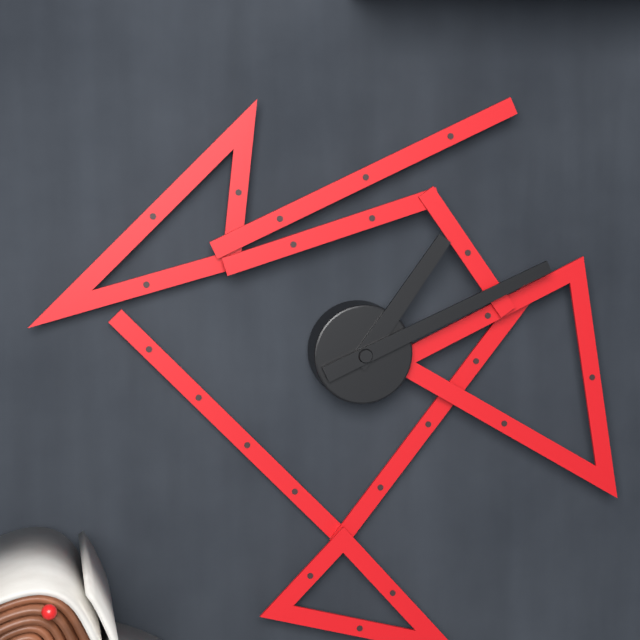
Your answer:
**1:11**
